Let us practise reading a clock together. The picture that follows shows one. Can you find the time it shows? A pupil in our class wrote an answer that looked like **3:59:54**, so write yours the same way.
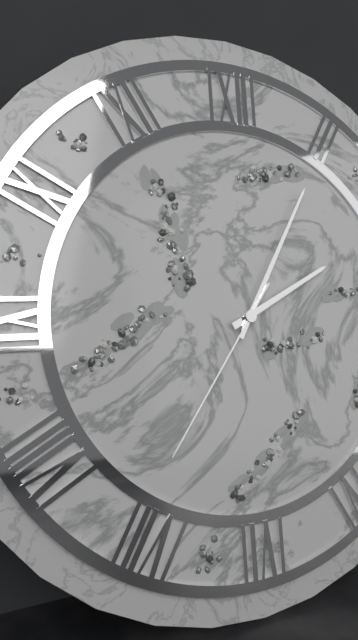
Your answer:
**2:05:36**
